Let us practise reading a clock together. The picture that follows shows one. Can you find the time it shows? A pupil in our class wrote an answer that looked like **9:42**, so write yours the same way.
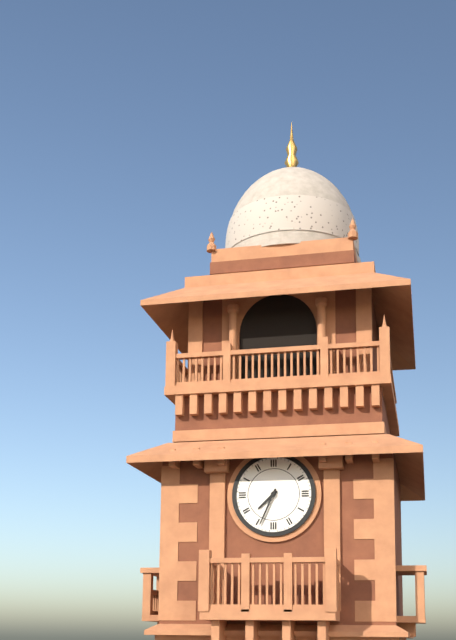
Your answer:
**7:34**
